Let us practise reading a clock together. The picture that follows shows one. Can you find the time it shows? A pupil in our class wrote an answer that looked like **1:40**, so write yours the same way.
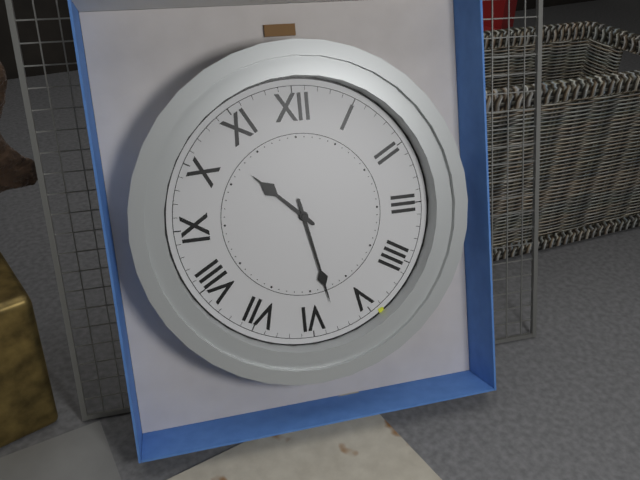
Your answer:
**10:28**
